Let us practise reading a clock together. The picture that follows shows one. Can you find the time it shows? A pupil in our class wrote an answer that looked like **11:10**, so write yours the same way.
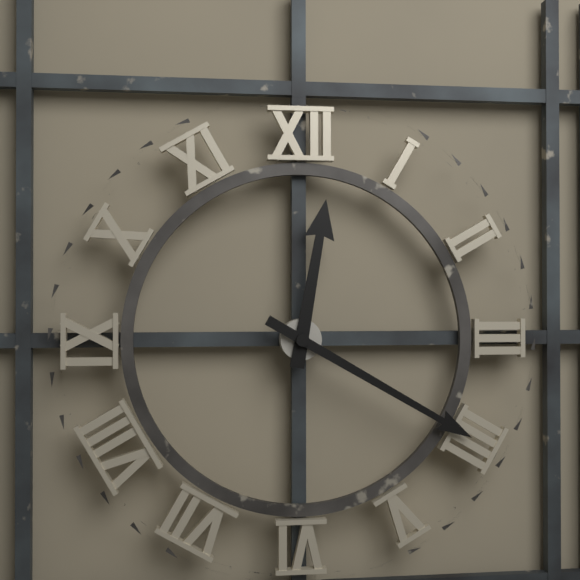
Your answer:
**12:20**
